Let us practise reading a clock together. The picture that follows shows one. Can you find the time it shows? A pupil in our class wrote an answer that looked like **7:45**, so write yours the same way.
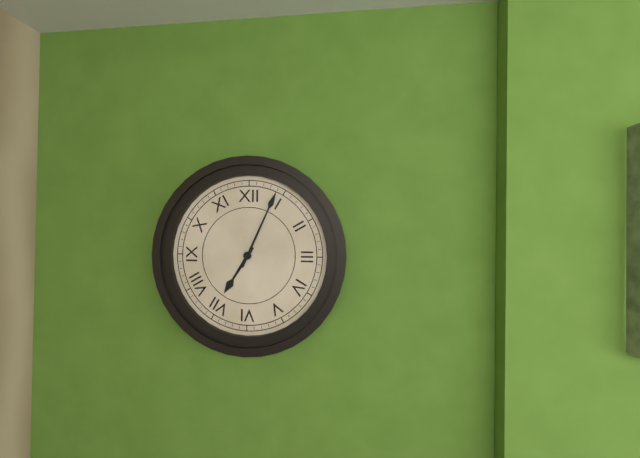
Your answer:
**7:04**
